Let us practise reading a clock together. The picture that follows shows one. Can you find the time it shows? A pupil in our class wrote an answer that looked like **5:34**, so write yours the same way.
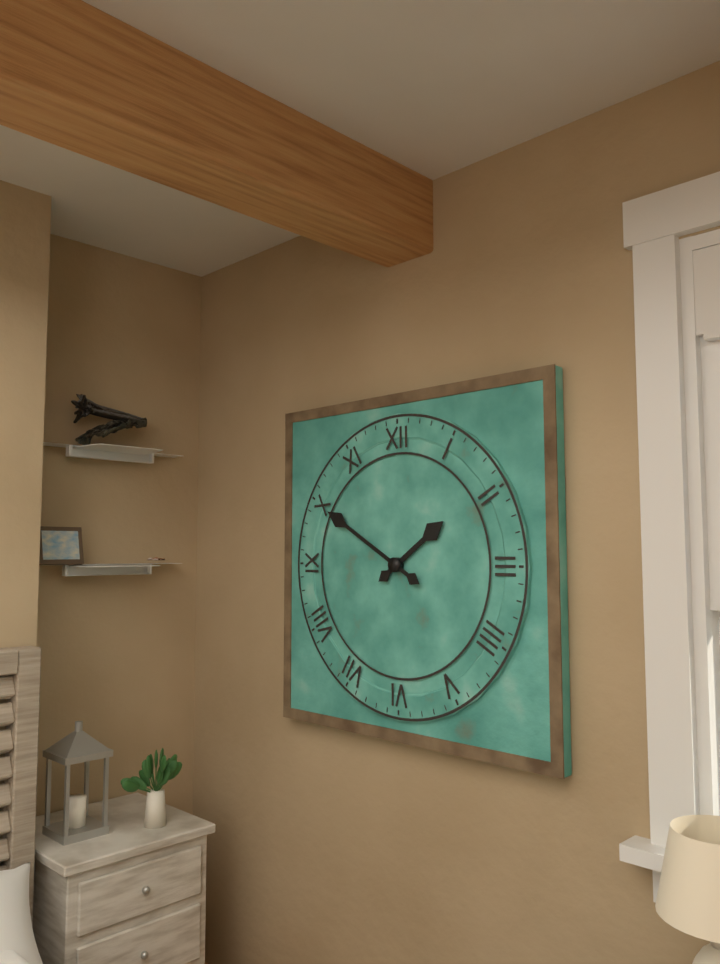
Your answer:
**1:50**
